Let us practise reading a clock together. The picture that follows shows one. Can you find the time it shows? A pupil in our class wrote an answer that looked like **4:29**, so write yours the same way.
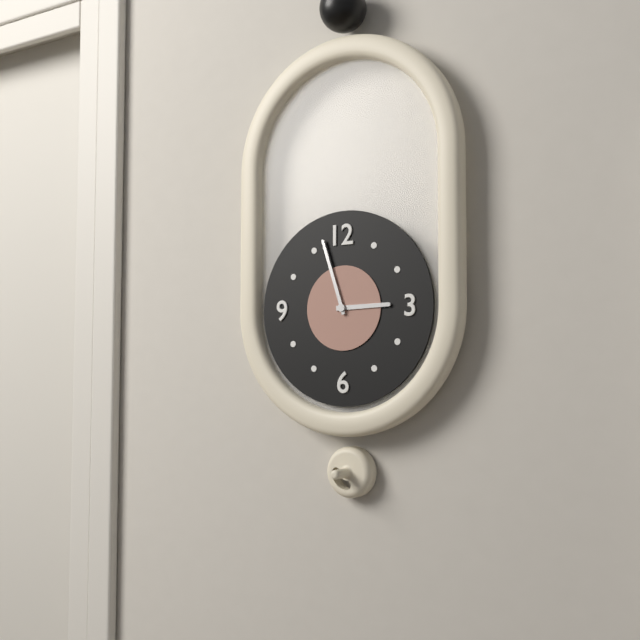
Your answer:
**2:57**
